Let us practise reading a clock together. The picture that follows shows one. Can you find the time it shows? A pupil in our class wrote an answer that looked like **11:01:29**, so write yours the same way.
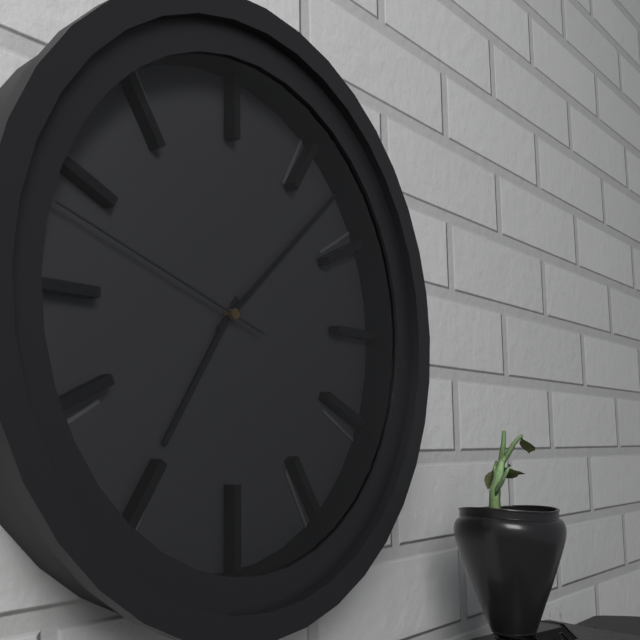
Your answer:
**7:08:48**
